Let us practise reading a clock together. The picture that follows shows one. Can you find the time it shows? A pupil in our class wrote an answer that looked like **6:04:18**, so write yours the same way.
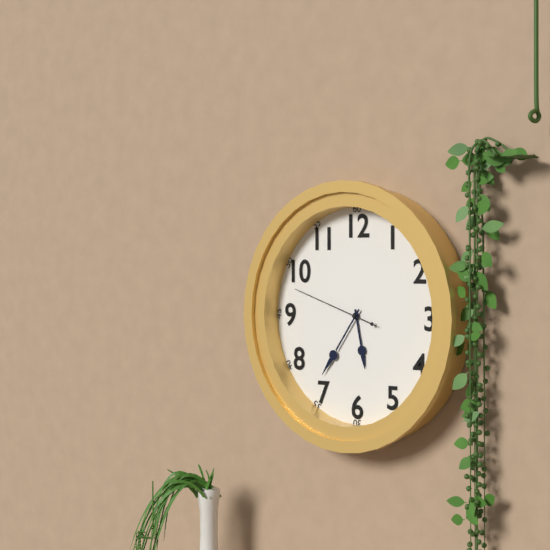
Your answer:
**5:36:48**
